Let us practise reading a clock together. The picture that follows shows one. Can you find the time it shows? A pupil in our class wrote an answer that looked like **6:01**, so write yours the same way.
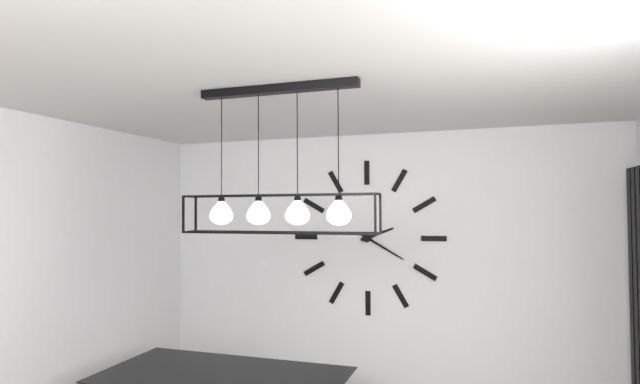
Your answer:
**2:20**
